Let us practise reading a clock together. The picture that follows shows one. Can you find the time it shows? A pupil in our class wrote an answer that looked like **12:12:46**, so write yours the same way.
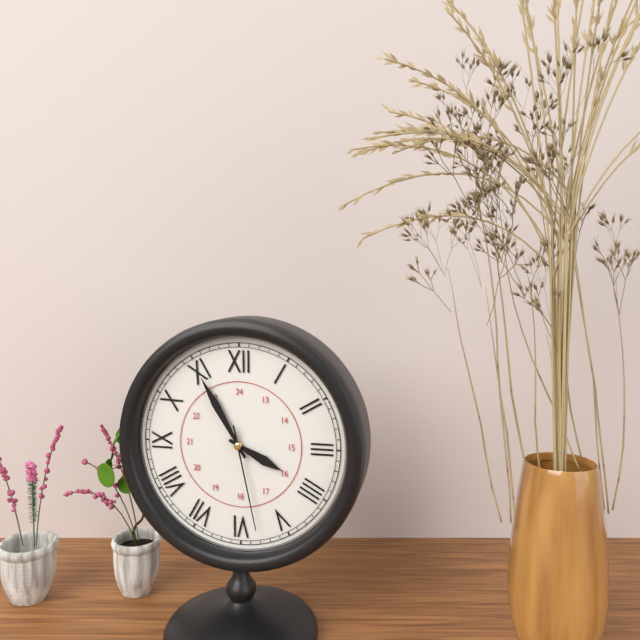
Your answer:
**3:55:28**
